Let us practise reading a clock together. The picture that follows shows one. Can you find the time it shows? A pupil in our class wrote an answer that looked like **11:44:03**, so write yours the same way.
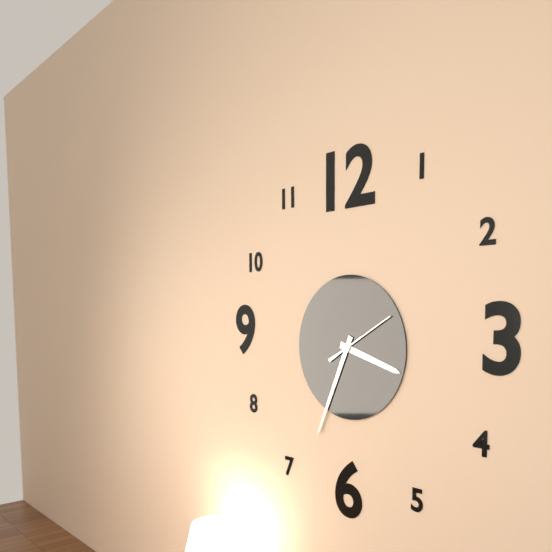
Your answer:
**3:34:10**
